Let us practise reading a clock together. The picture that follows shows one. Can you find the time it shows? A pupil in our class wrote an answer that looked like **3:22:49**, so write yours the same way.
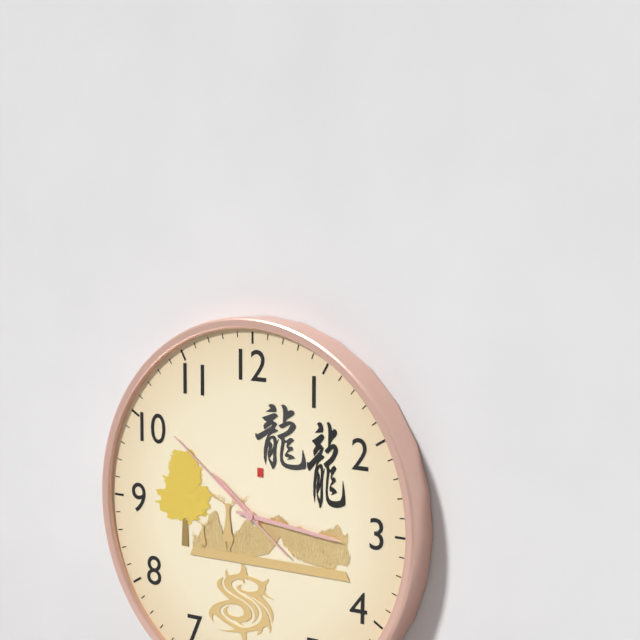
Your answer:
**10:16:51**
